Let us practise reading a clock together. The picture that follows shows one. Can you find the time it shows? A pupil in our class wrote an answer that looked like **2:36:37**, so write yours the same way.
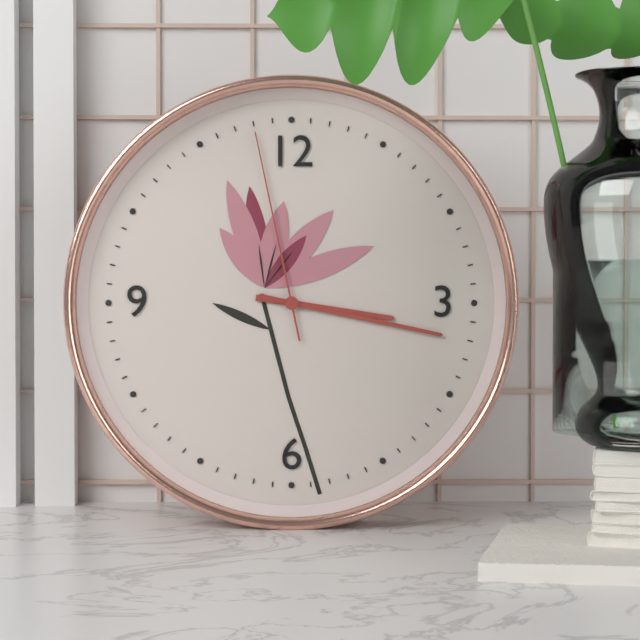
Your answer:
**3:17:58**
